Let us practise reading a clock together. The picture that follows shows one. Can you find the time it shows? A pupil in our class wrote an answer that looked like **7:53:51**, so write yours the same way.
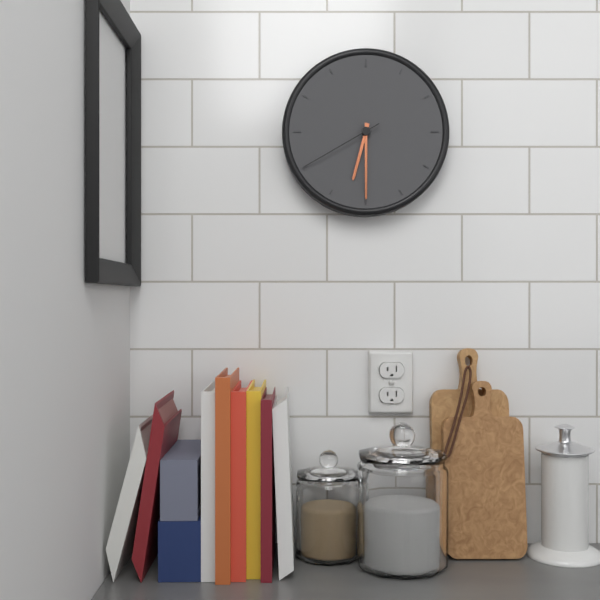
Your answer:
**6:30:40**
